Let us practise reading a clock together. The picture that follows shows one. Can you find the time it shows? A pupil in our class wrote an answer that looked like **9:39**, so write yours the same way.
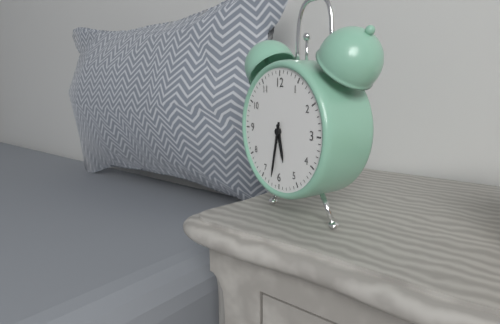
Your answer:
**5:32**
